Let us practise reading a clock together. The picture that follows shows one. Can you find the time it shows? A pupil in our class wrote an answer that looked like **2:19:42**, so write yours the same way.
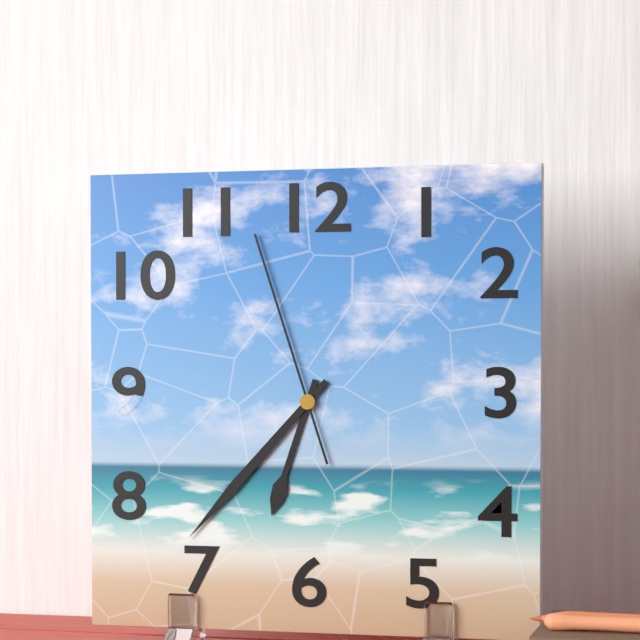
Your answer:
**6:37:57**
